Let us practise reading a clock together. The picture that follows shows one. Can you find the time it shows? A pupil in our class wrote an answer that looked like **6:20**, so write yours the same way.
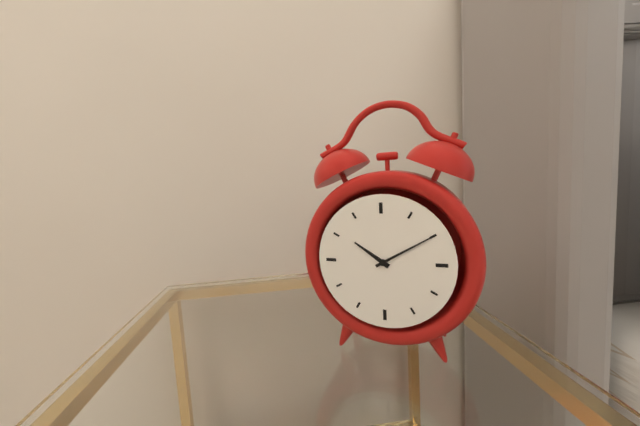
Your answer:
**10:10**
